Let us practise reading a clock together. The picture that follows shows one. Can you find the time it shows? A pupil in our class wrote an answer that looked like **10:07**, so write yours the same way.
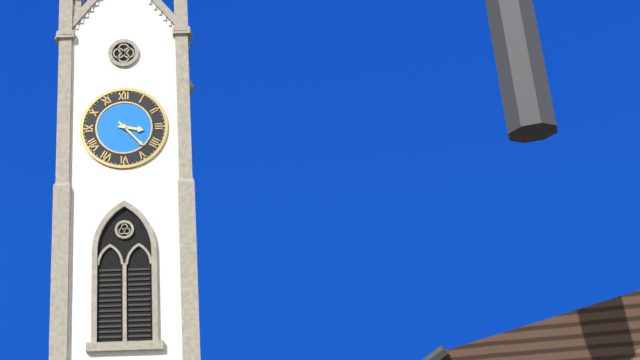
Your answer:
**3:23**
